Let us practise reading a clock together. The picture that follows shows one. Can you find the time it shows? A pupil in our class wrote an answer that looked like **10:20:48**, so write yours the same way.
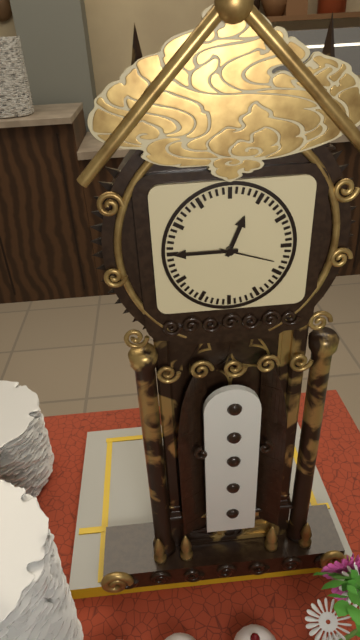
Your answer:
**12:45:18**
